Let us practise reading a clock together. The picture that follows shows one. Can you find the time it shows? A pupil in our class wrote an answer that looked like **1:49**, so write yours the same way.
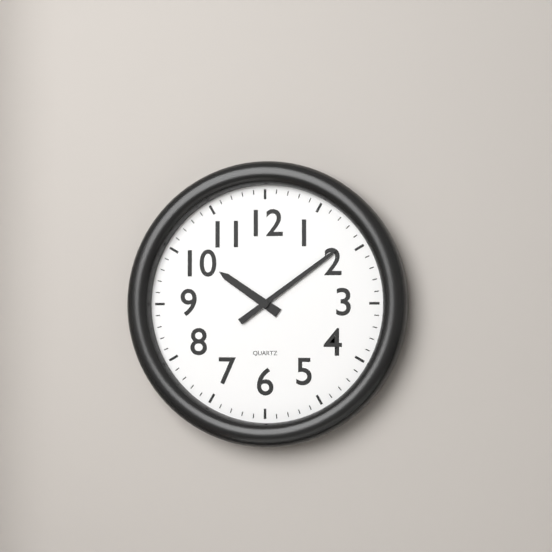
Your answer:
**10:09**
